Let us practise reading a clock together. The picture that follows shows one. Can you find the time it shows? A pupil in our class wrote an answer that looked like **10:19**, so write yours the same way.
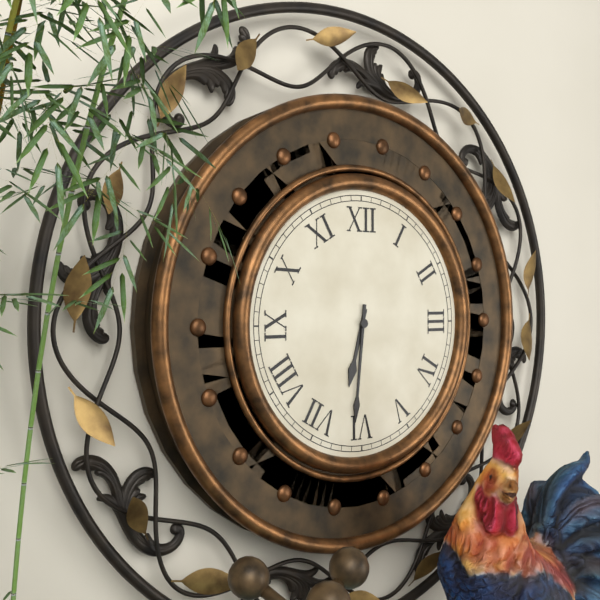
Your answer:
**6:31**
